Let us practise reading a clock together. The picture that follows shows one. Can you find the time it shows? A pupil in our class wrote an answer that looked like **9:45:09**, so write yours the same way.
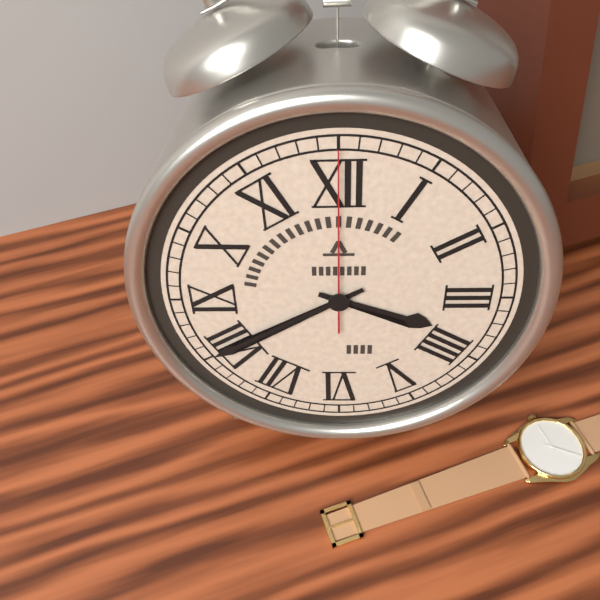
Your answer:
**3:40:00**
